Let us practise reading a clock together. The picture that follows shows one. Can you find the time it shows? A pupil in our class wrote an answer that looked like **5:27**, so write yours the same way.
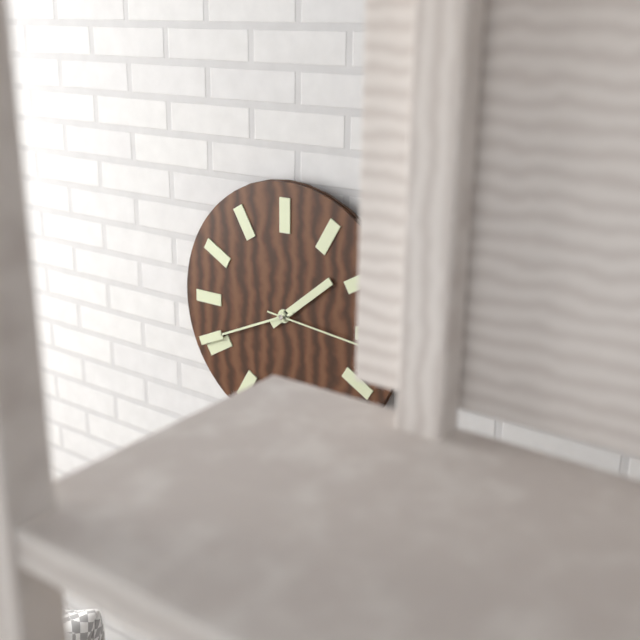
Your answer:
**1:41**
